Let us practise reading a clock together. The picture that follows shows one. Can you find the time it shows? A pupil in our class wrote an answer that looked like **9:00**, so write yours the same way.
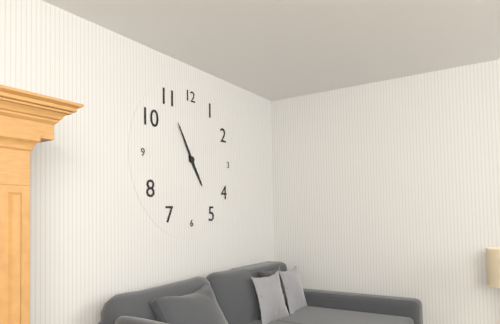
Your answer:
**4:55**
